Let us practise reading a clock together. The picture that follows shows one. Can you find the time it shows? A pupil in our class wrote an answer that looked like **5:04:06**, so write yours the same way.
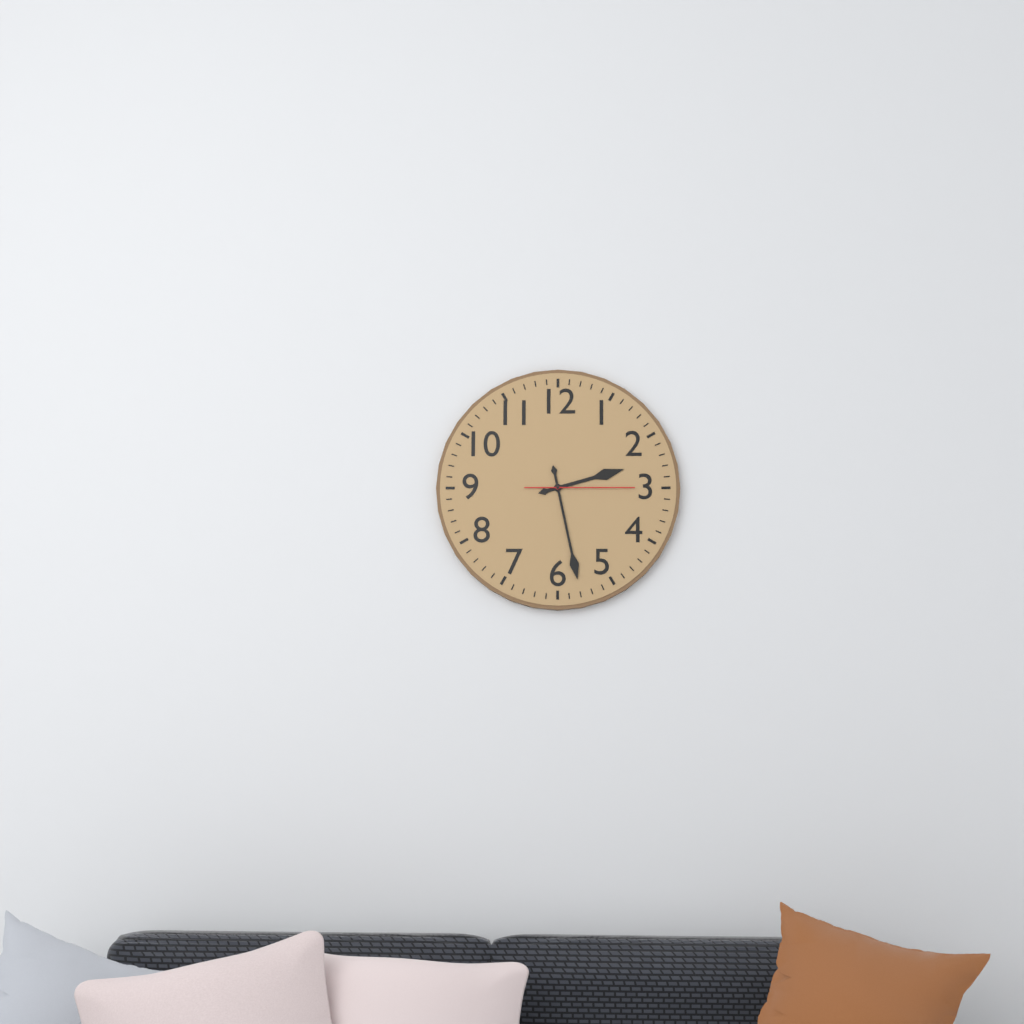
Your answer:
**2:28:15**
